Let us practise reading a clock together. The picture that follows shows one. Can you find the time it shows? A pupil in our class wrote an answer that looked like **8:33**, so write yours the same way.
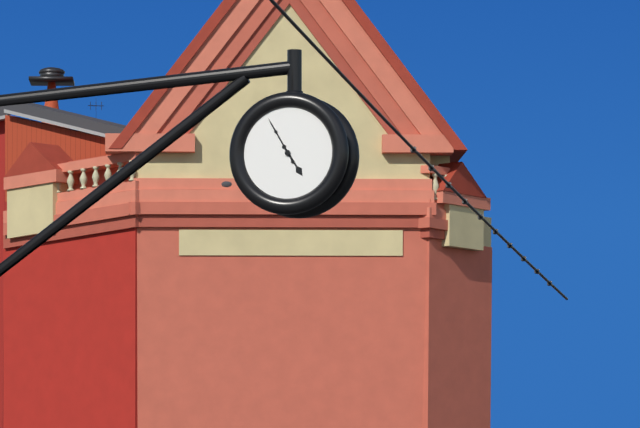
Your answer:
**4:55**
